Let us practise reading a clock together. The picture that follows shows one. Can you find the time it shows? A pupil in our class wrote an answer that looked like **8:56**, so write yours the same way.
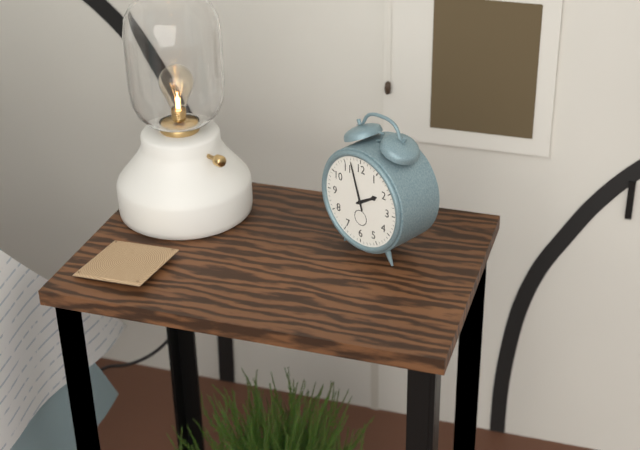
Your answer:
**1:57**
